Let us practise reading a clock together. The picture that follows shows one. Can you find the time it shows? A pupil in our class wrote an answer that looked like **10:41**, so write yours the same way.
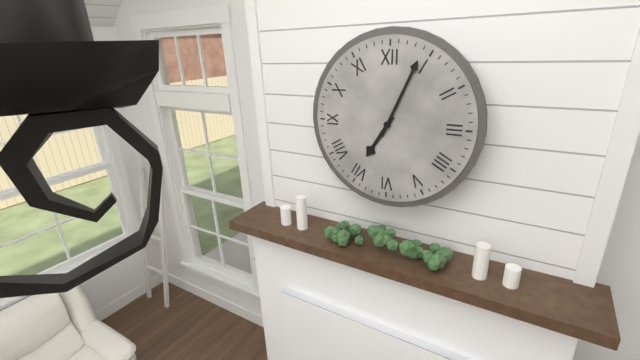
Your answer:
**7:04**
